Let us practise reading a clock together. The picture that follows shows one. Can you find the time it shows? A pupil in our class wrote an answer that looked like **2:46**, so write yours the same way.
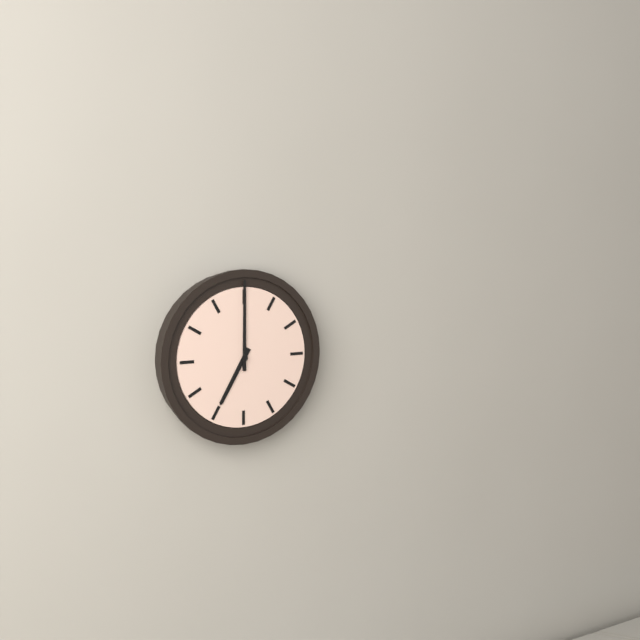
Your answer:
**7:00**
